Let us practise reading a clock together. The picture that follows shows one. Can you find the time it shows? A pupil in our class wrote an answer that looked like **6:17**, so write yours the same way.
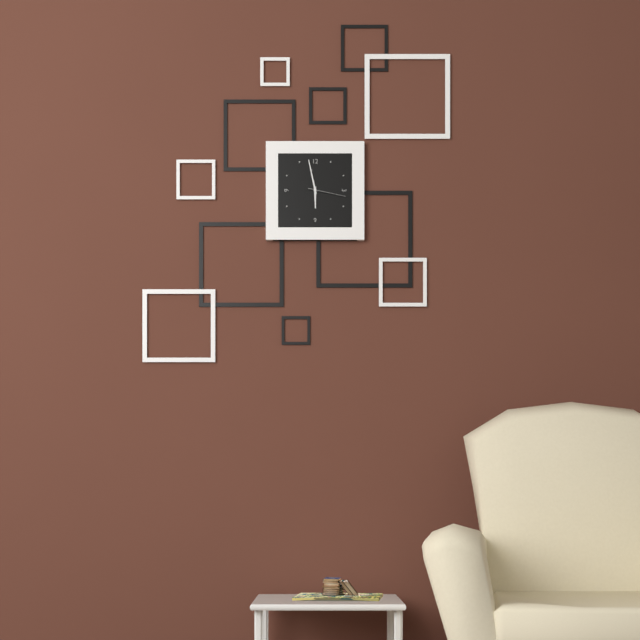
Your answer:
**5:58**
